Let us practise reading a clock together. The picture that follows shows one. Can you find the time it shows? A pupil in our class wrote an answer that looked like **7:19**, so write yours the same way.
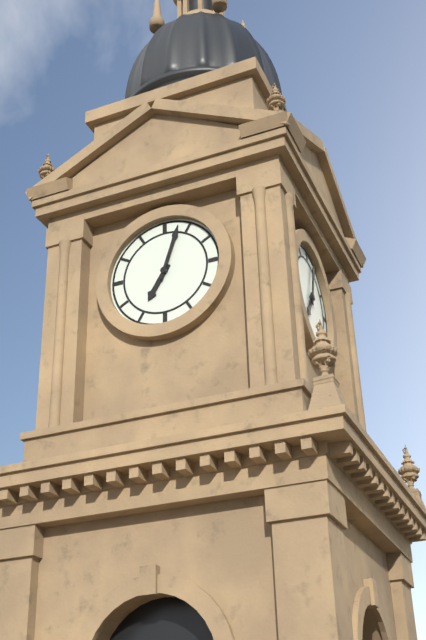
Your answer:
**7:03**
